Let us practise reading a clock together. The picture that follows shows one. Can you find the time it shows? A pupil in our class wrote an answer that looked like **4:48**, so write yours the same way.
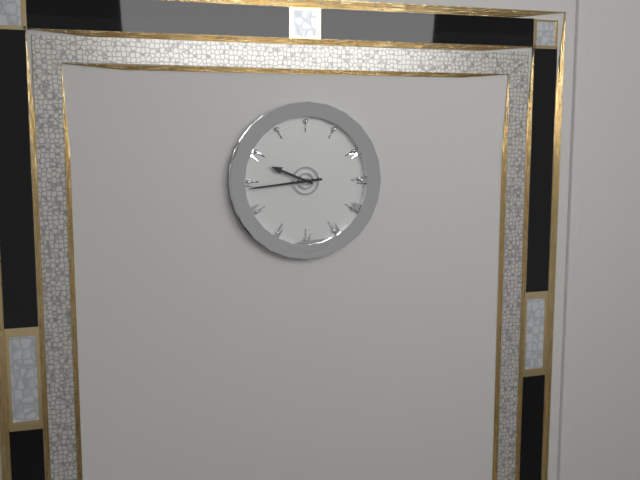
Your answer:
**9:44**
